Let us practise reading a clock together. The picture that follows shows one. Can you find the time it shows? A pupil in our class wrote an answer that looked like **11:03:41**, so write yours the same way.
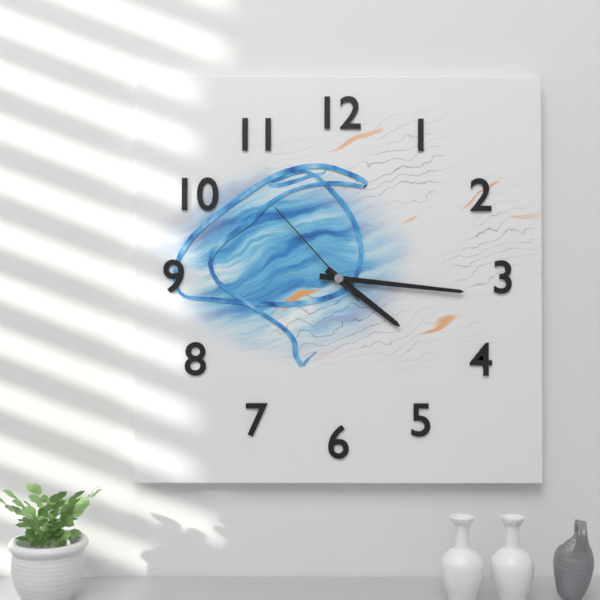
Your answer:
**4:16:53**
